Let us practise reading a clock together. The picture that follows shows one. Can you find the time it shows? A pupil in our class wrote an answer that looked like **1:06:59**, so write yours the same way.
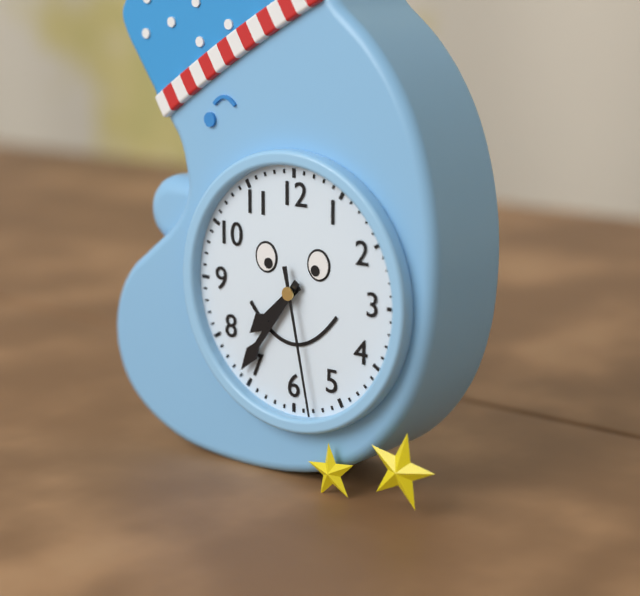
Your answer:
**7:36:28**
